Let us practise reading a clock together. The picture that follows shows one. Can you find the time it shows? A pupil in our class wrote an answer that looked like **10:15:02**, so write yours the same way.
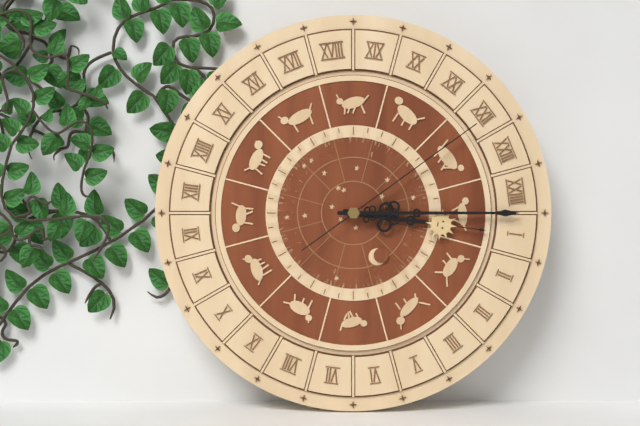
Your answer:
**3:15:09**
